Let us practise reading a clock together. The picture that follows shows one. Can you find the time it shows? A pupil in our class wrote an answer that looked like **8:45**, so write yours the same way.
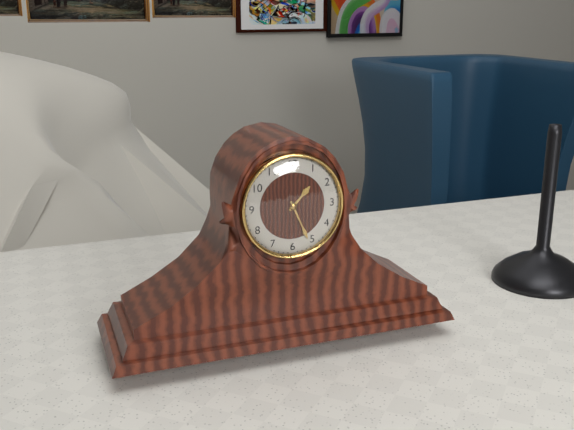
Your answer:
**1:26**
